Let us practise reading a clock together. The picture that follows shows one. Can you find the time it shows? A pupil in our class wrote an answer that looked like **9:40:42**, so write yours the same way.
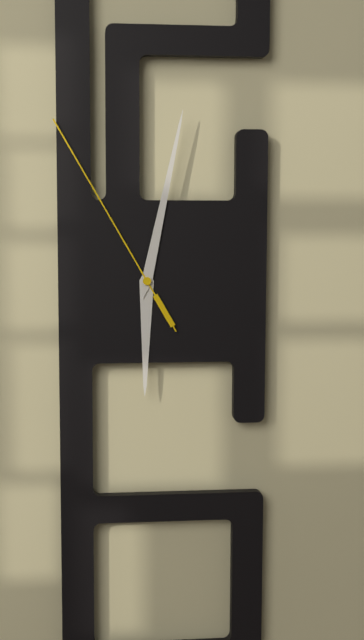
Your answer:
**6:02:55**
